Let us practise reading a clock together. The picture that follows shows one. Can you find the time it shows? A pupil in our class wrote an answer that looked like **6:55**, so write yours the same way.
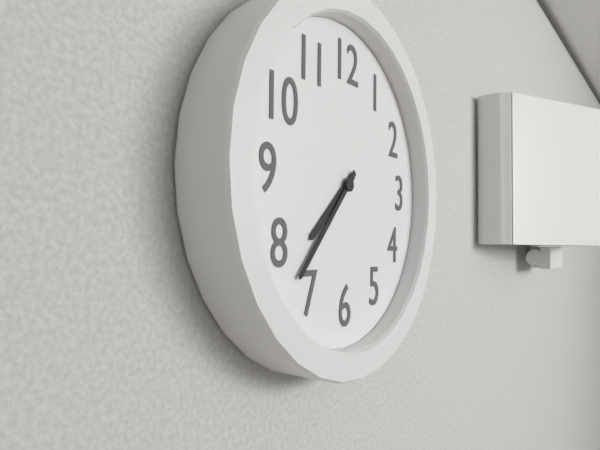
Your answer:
**7:37**
